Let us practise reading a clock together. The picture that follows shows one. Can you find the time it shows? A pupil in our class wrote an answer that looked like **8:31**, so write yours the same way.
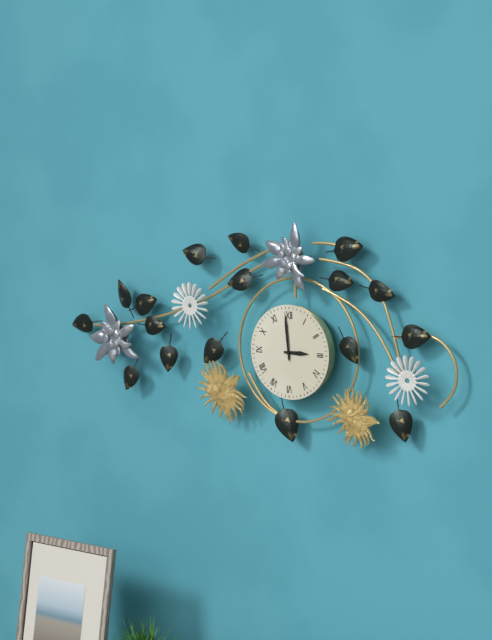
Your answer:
**2:59**
